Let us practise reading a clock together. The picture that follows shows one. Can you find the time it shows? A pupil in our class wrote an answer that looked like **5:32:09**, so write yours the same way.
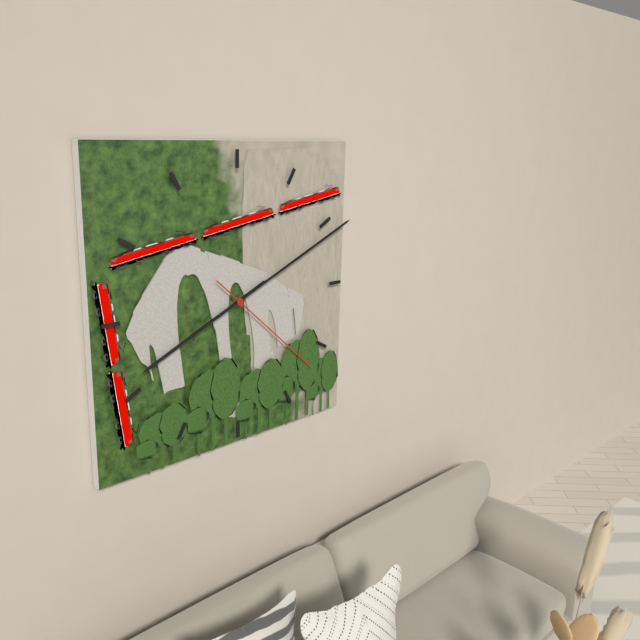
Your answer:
**8:11:22**
